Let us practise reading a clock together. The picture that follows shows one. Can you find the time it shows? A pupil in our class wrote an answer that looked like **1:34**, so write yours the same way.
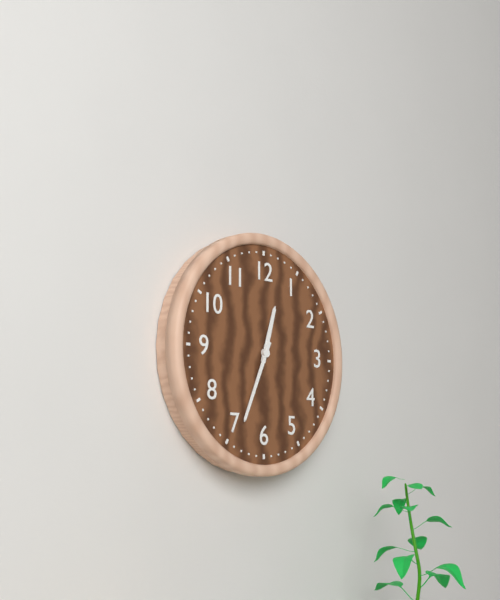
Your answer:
**12:34**
